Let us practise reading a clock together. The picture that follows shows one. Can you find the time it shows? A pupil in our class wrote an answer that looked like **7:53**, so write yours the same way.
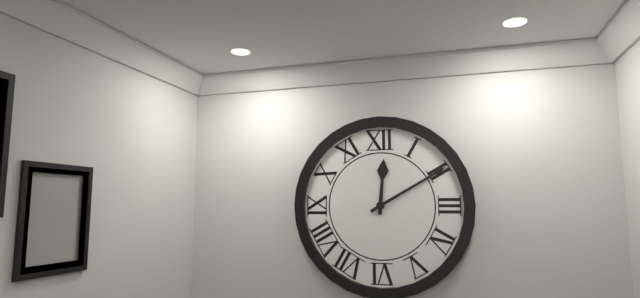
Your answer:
**12:10**
